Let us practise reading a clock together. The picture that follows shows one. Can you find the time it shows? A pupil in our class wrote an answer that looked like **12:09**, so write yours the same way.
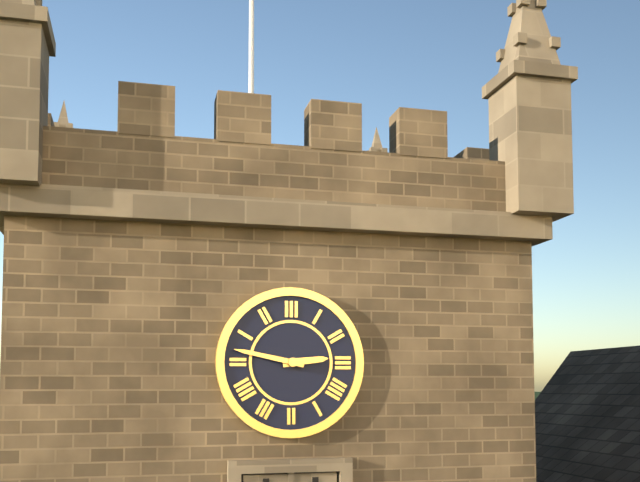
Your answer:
**2:47**
